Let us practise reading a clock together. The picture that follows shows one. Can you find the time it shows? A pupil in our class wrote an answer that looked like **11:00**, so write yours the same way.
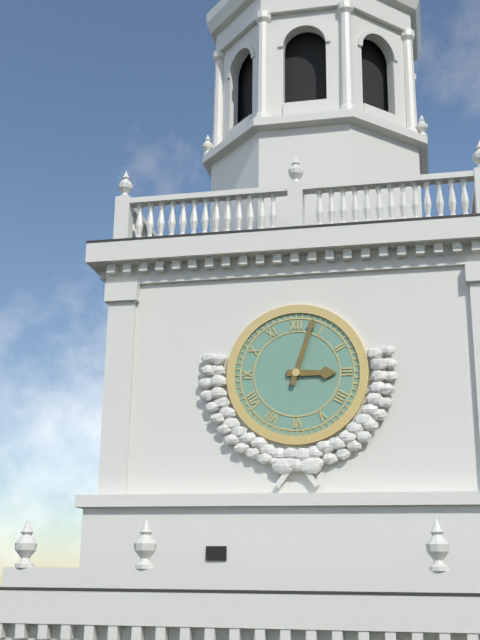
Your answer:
**3:03**
